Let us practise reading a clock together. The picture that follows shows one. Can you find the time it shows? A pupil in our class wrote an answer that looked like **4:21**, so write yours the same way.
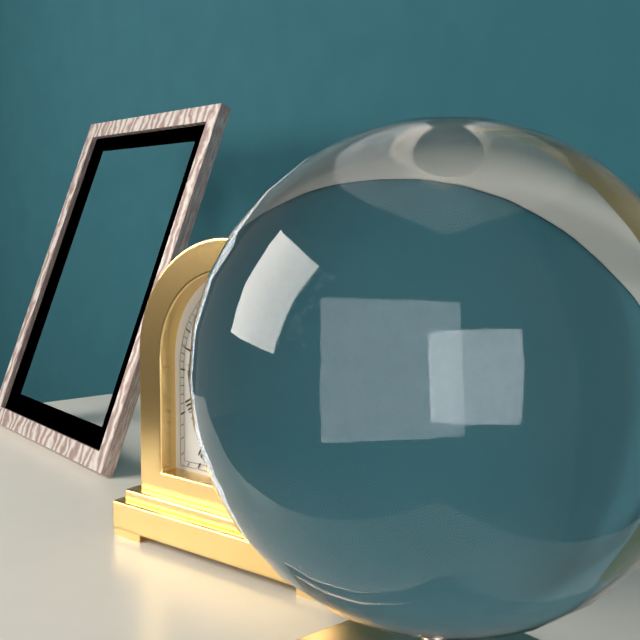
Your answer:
**11:48**
